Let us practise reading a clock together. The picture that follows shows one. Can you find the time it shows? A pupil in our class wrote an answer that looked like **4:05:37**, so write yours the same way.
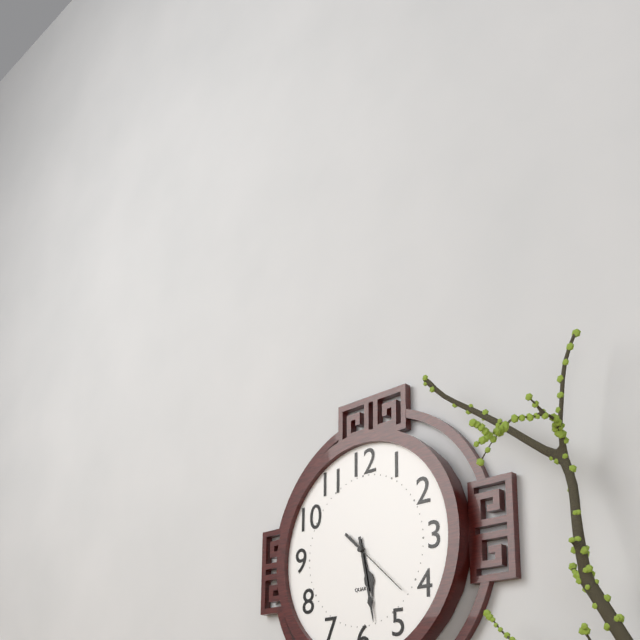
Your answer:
**5:28:22**
